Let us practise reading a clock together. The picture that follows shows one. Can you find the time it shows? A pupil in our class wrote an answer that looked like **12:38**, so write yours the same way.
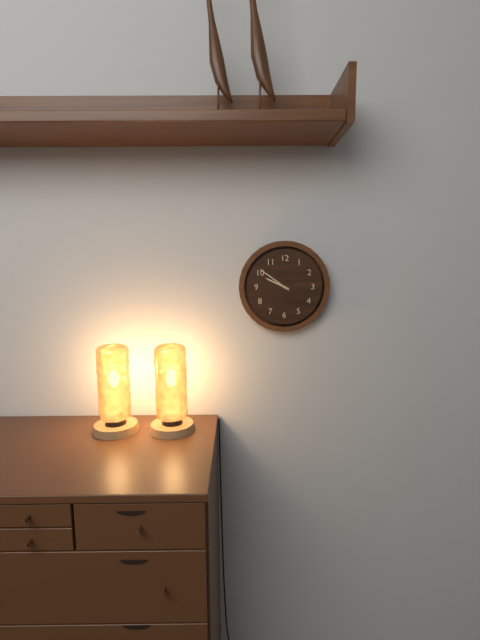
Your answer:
**9:51**
